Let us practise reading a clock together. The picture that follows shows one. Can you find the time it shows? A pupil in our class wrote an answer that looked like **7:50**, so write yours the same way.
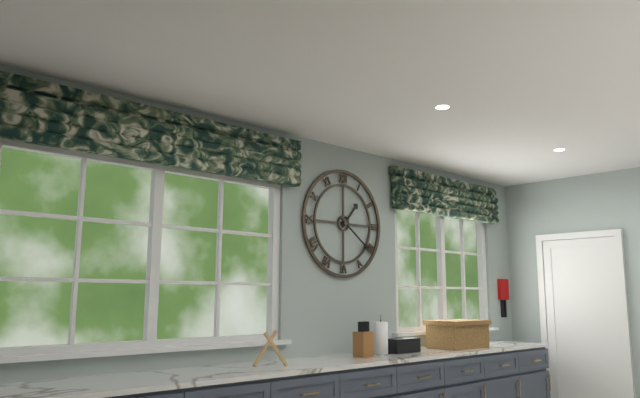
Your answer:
**1:21**
